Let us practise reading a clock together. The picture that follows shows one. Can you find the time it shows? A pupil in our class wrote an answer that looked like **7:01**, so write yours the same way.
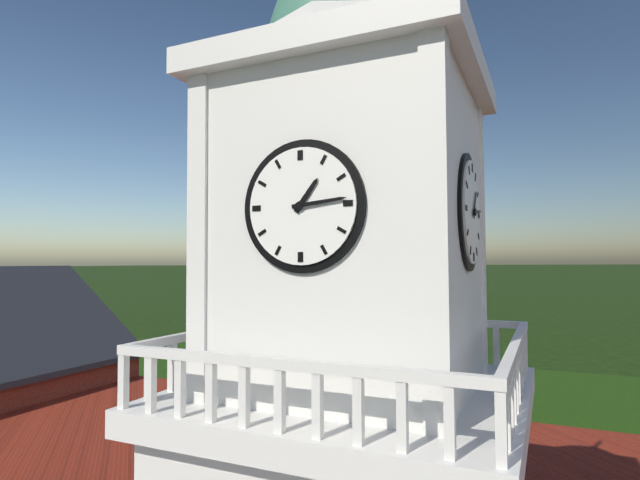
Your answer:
**1:14**
